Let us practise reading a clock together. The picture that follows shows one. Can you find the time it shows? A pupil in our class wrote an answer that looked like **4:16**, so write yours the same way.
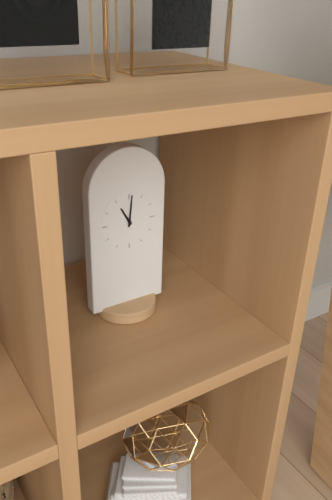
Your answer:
**11:01**
